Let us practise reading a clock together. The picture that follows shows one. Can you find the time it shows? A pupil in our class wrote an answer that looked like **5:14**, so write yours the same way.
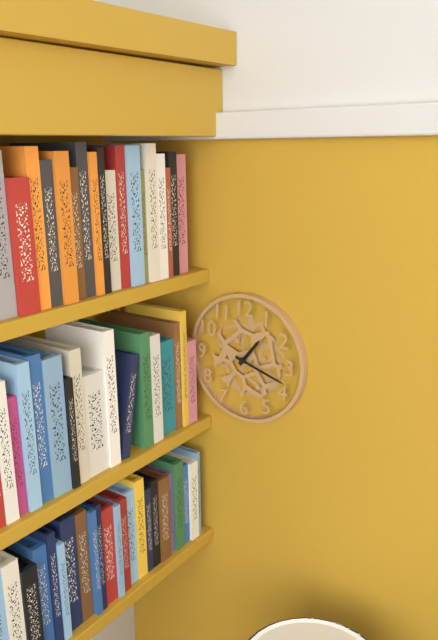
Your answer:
**1:18**
